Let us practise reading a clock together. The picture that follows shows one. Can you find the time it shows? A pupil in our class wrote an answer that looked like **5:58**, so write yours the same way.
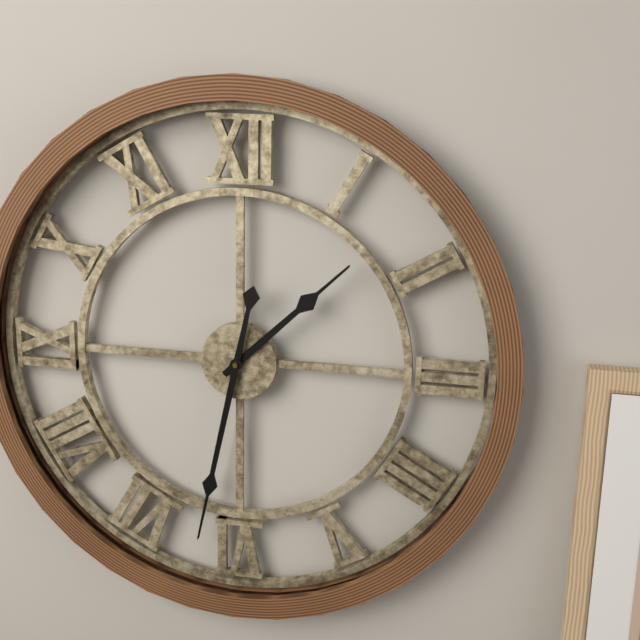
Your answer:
**1:32**
